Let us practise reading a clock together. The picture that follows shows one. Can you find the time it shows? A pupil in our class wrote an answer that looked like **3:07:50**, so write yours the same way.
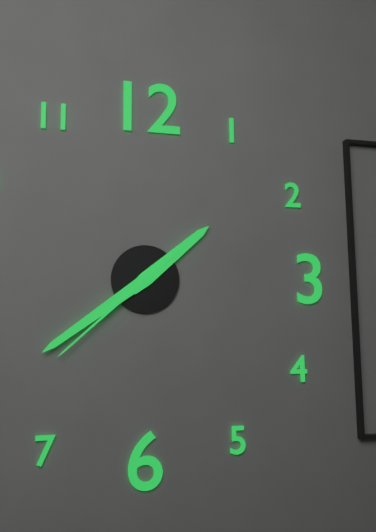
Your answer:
**1:39:38**
